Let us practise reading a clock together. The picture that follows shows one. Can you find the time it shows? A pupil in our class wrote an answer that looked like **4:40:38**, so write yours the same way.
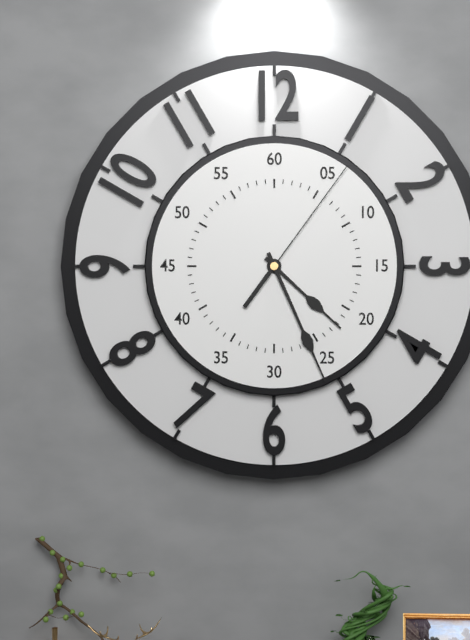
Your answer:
**4:26:06**
